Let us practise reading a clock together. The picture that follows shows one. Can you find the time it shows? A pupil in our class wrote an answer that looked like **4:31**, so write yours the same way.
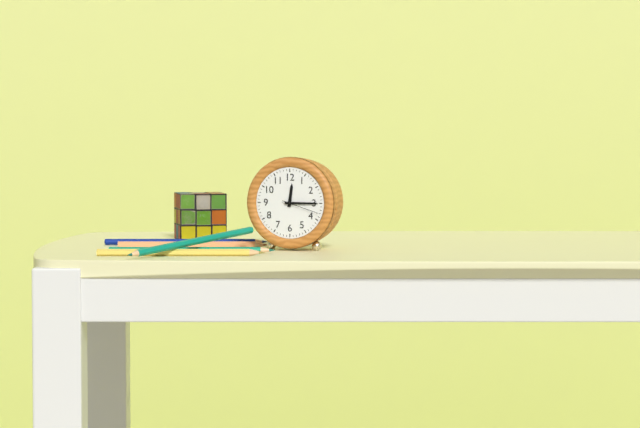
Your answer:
**12:15**
